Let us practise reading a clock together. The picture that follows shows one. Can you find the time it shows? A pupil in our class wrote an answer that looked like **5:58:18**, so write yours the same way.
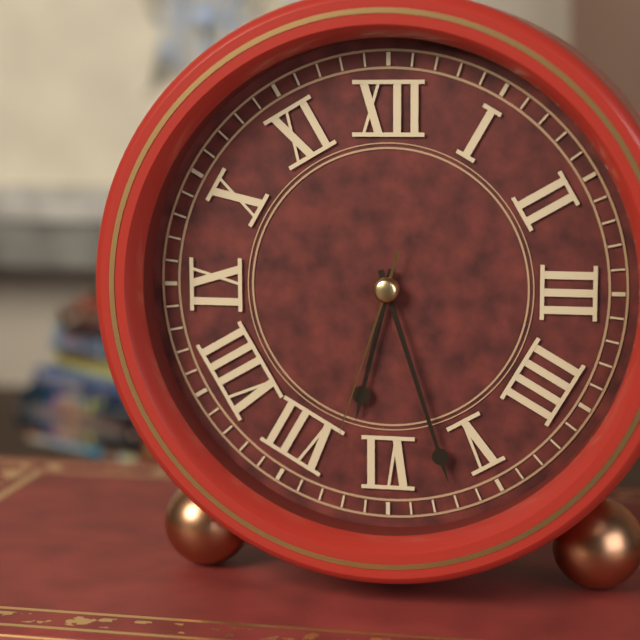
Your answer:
**6:27:33**
